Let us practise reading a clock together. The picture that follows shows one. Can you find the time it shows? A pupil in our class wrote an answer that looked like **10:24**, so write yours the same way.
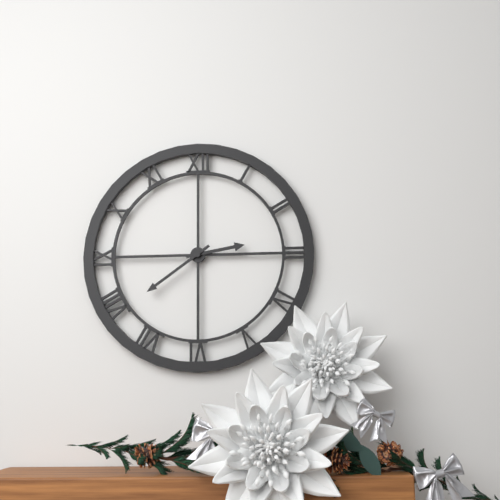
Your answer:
**2:39**
